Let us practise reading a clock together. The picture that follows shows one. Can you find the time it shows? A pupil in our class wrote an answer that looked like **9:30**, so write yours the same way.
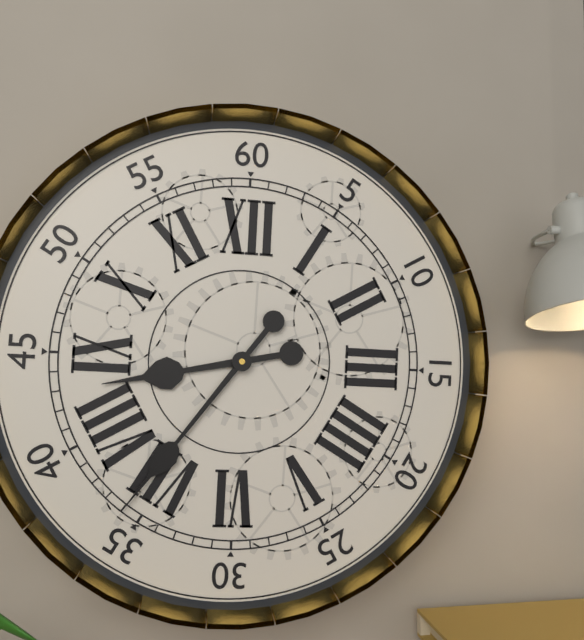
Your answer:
**8:36**
